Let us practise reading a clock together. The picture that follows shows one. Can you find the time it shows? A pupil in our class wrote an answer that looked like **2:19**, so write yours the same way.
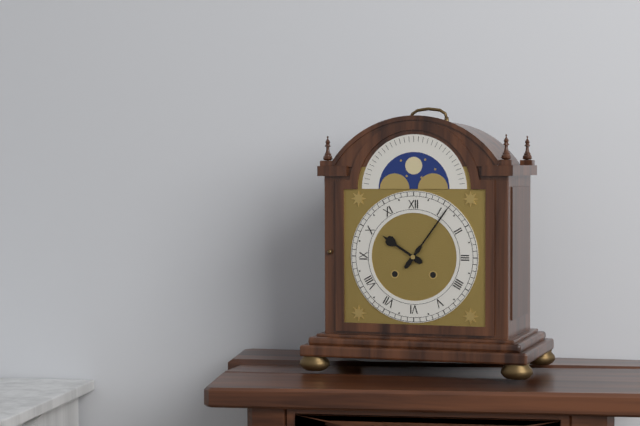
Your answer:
**10:06**
